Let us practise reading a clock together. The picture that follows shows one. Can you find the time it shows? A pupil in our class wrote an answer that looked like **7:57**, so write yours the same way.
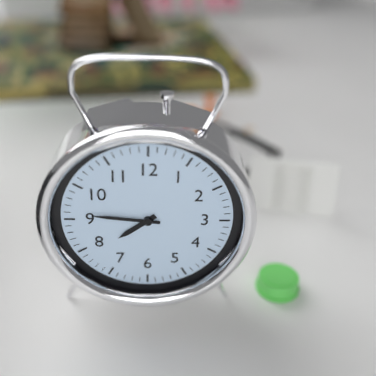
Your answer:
**7:46**
